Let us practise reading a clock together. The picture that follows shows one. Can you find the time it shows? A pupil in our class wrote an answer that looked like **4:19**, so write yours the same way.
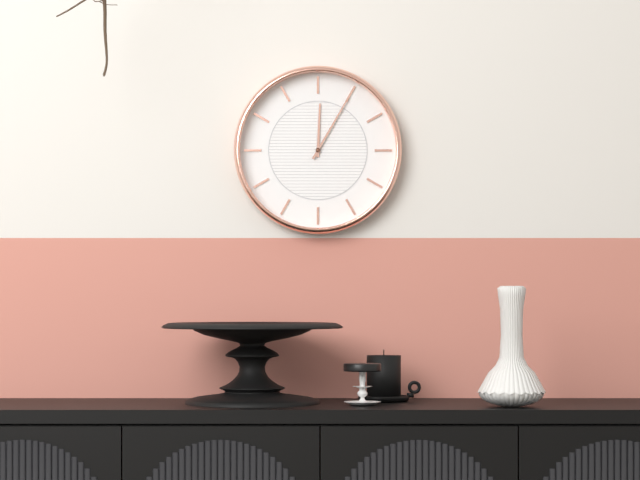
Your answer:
**12:05**
